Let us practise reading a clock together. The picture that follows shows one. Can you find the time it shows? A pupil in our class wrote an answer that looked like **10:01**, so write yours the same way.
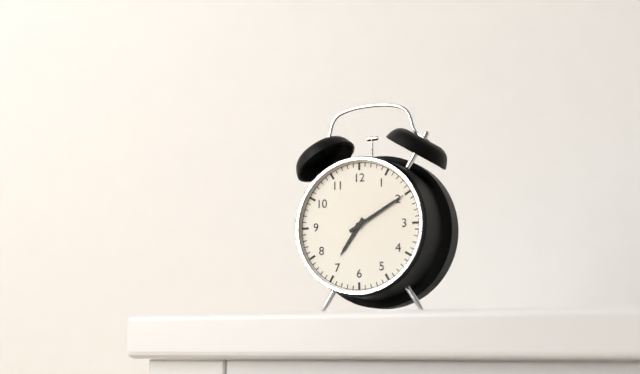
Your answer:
**7:10**
